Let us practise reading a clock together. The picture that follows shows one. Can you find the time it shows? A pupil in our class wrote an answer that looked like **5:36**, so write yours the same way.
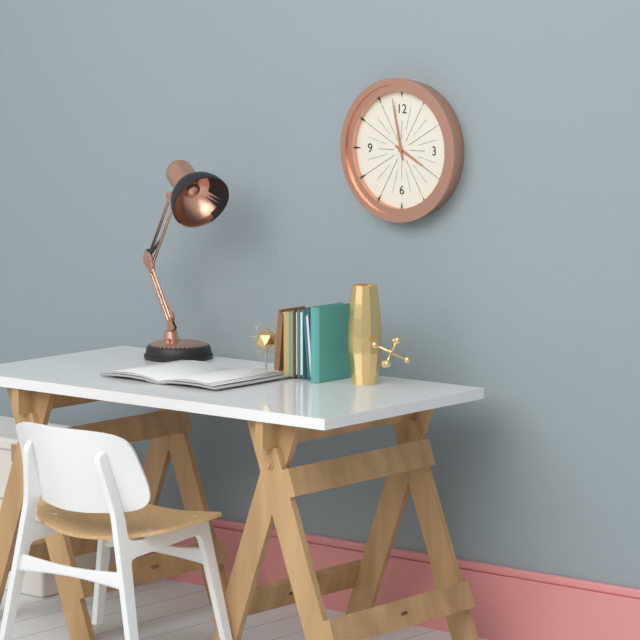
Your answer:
**3:58**
